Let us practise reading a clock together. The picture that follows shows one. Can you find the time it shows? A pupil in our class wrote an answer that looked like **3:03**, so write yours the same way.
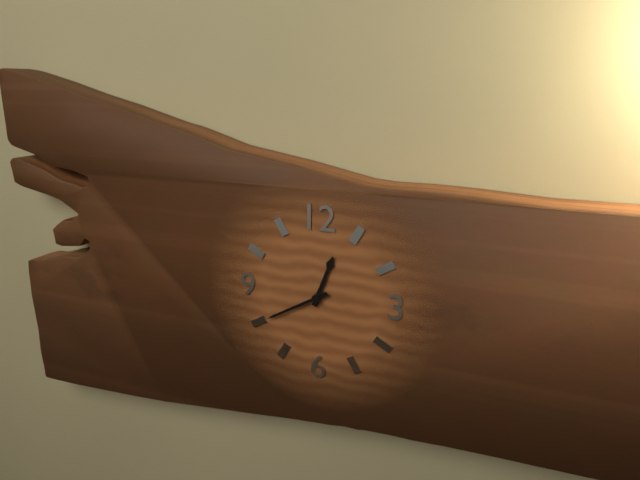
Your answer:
**12:40**
